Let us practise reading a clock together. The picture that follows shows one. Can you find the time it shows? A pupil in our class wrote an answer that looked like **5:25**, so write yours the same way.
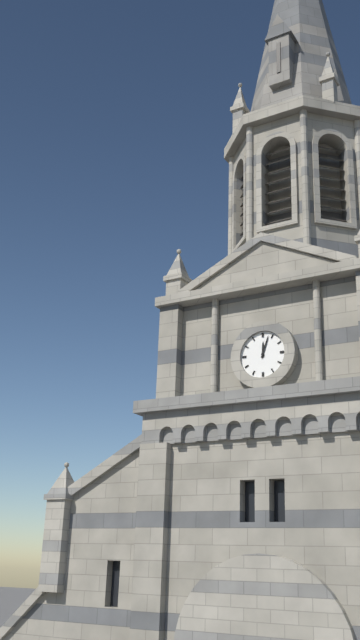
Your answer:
**12:03**
